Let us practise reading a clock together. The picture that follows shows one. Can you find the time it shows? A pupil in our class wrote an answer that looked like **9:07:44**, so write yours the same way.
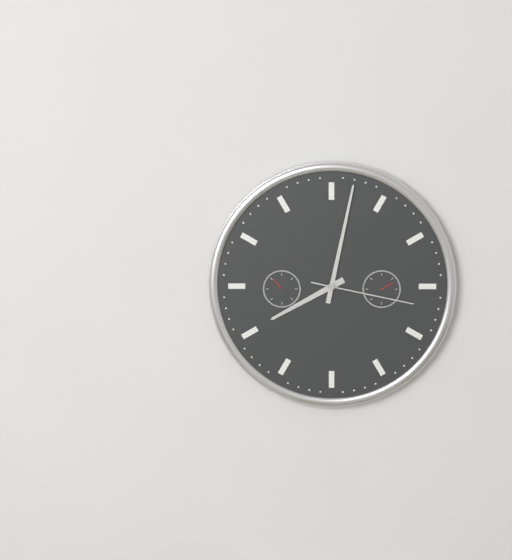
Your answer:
**8:02:17**
